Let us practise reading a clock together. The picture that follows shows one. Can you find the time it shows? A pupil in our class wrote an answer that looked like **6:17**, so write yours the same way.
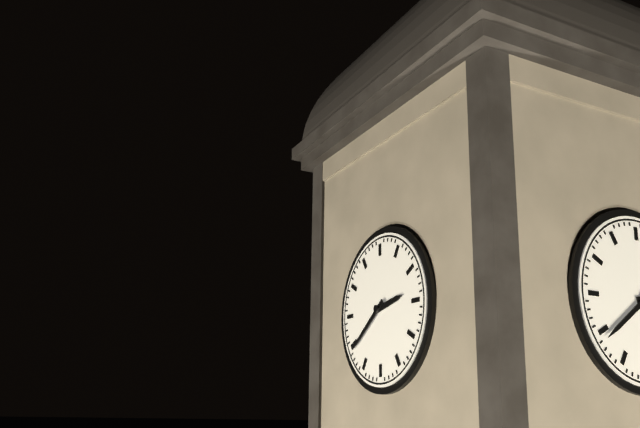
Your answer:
**2:39**
